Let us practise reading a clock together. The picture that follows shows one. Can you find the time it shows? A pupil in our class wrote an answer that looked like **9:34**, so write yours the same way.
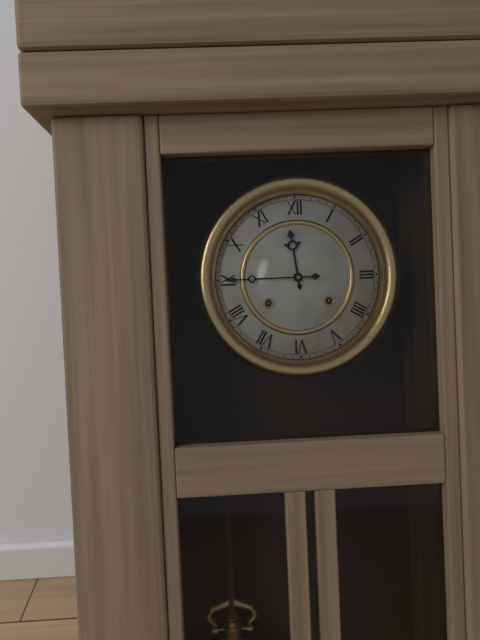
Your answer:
**11:45**
